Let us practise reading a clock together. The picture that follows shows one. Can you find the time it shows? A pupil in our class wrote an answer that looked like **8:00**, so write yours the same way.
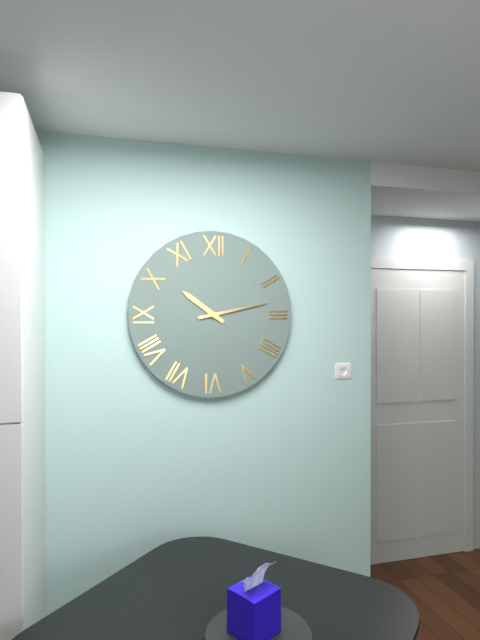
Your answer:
**10:13**
